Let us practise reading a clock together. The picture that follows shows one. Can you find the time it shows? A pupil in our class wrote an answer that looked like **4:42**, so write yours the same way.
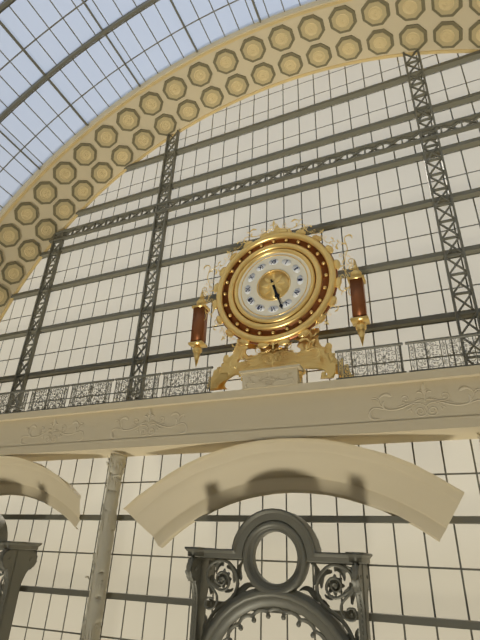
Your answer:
**5:27**
